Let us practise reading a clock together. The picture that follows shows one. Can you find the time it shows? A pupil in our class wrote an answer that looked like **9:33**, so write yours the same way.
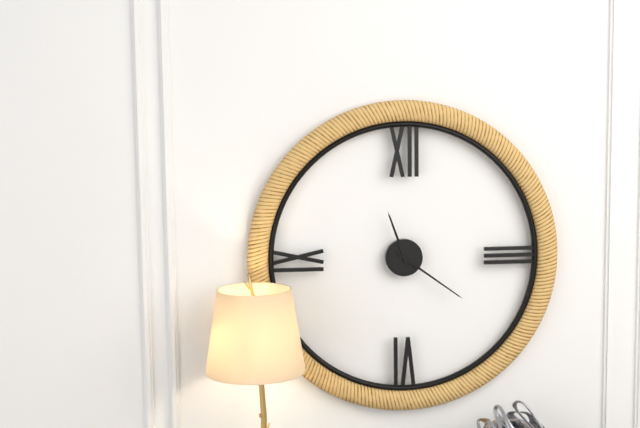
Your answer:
**11:21**
